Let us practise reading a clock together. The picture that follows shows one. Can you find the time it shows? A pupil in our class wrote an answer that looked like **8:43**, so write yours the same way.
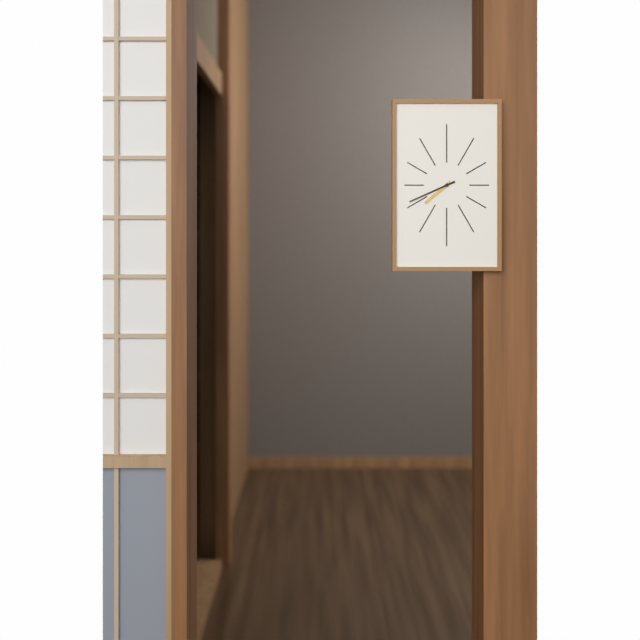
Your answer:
**7:41**
